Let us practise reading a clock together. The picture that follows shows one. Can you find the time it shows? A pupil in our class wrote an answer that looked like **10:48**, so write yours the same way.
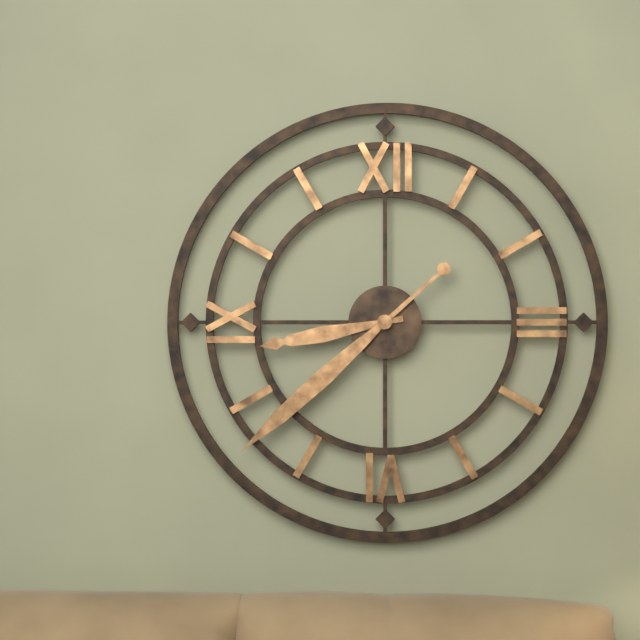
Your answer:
**8:38**
